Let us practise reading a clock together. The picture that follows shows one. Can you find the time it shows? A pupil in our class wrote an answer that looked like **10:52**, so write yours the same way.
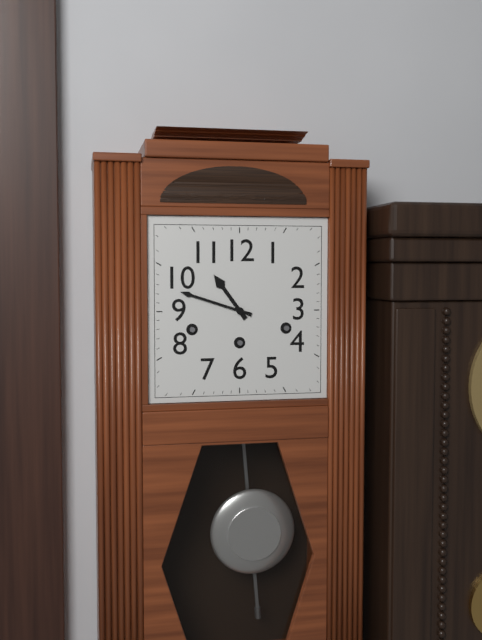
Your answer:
**10:48**
